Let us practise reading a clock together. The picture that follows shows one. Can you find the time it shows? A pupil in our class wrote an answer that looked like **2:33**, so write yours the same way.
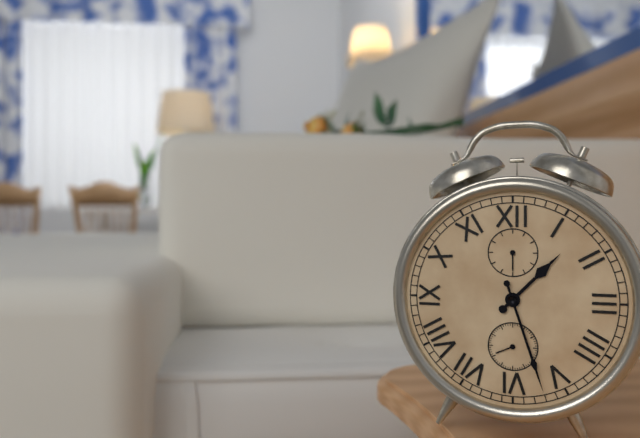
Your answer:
**1:27**
